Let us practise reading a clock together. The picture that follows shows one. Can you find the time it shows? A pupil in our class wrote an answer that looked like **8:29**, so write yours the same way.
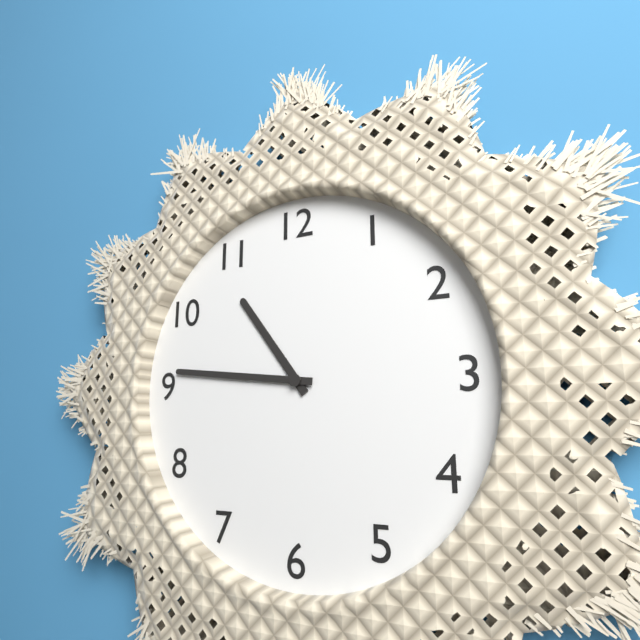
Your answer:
**10:46**
